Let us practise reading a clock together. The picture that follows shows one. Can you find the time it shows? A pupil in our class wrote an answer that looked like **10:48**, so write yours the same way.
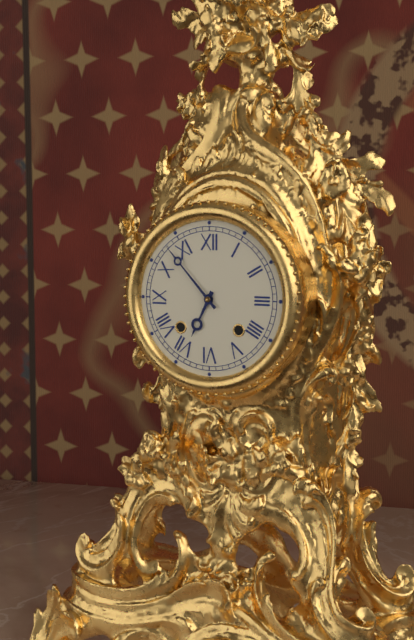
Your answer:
**6:53**
